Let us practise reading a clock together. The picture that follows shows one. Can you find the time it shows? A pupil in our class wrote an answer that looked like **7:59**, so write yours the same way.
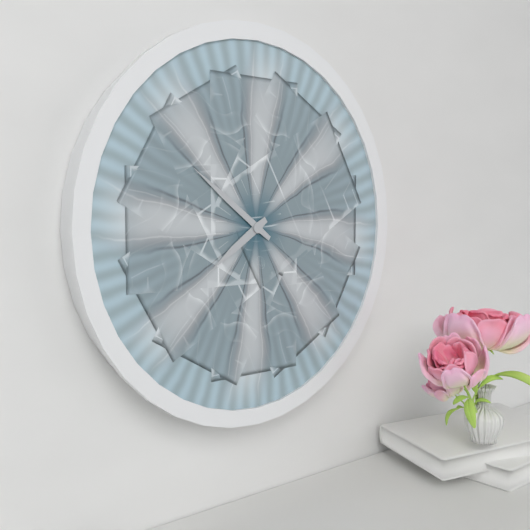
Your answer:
**7:51**
